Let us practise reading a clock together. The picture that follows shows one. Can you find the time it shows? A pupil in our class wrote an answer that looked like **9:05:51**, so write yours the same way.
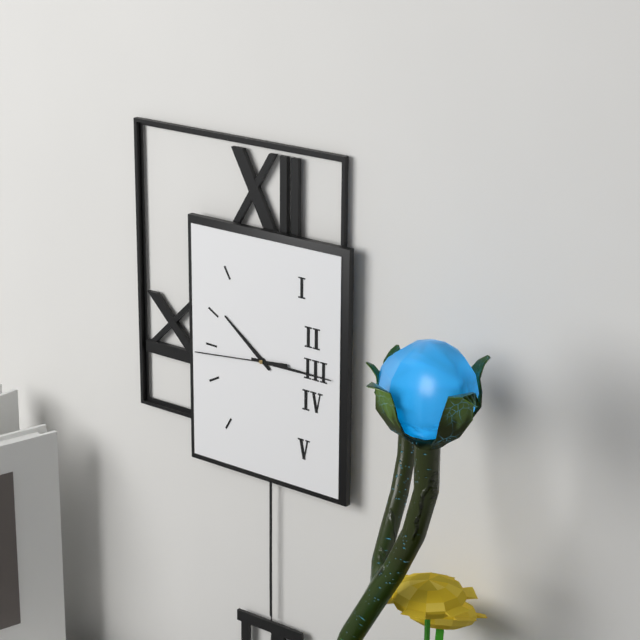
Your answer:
**10:15:44**
